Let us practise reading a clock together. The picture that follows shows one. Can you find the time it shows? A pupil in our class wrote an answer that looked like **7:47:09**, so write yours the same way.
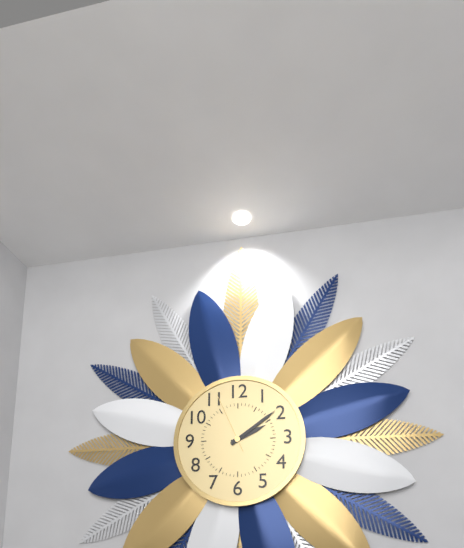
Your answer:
**2:09:56**
